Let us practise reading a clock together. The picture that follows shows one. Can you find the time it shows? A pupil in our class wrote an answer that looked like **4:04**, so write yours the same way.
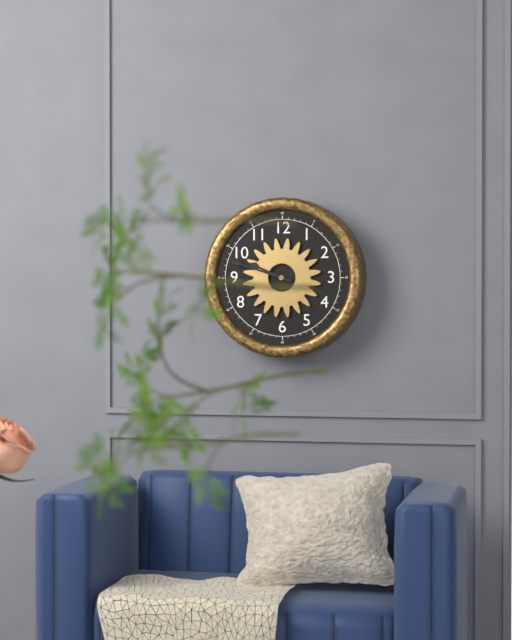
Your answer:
**9:48**
